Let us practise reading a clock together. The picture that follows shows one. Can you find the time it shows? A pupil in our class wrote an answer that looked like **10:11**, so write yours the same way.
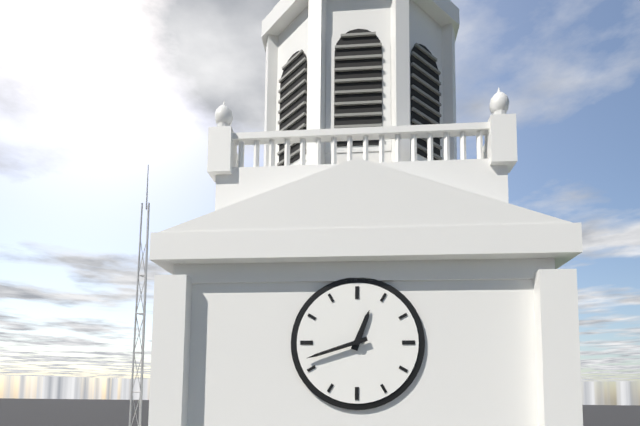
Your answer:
**12:42**
